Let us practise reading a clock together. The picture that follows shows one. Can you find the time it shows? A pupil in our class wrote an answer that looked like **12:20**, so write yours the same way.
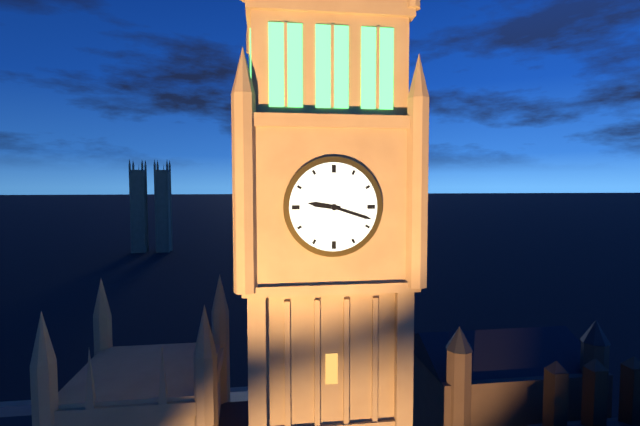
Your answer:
**9:18**
